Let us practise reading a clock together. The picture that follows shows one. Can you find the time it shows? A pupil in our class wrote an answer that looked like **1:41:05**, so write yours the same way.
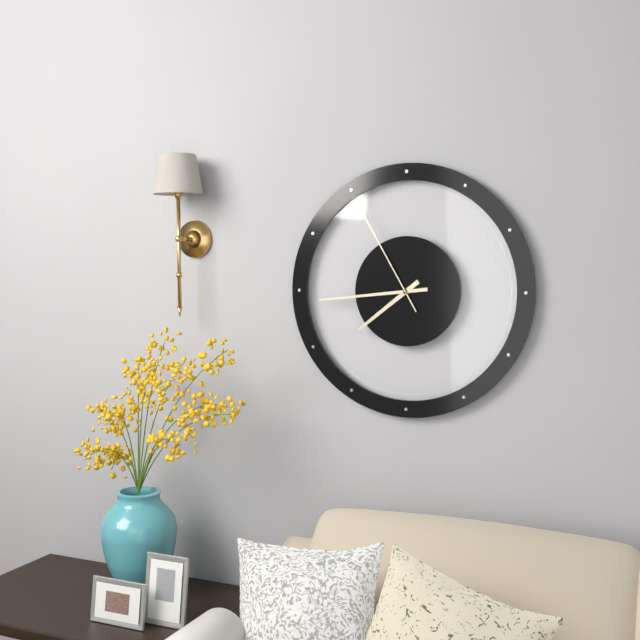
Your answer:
**7:44:55**
